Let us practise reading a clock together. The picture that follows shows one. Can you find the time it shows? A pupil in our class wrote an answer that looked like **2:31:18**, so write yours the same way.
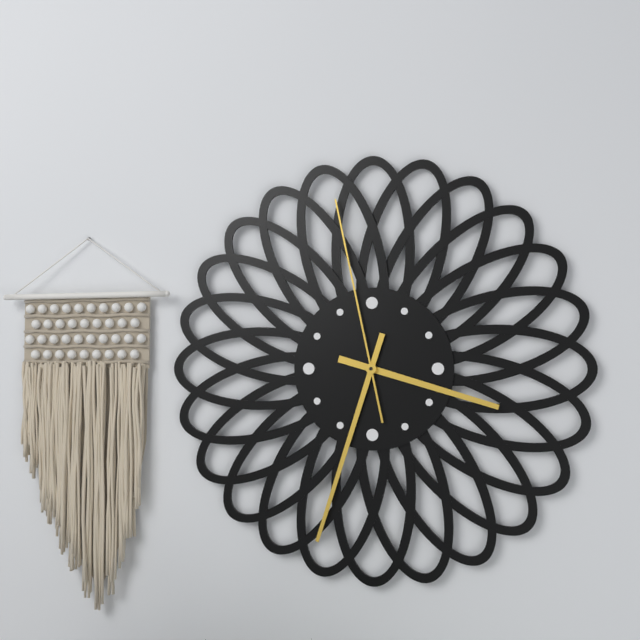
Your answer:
**3:33:58**
